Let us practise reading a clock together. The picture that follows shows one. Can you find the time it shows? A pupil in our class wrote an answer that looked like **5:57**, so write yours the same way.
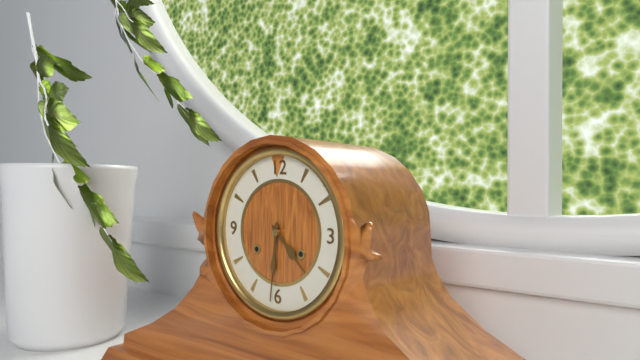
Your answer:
**4:31**
